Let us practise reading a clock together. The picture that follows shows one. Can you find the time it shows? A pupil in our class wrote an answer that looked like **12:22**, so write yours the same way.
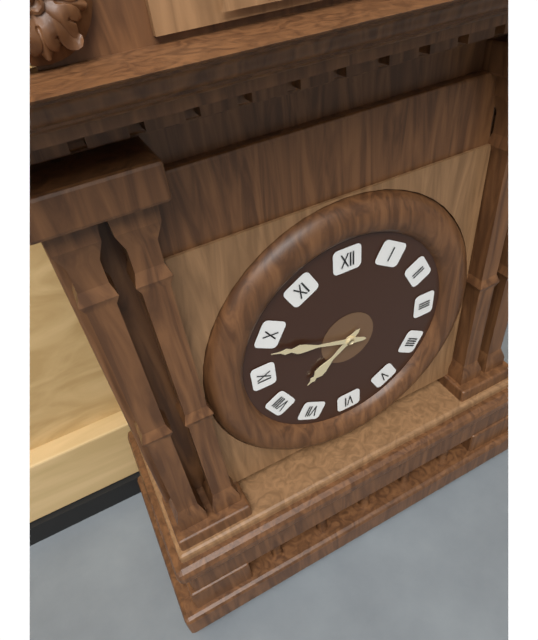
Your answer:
**7:48**
